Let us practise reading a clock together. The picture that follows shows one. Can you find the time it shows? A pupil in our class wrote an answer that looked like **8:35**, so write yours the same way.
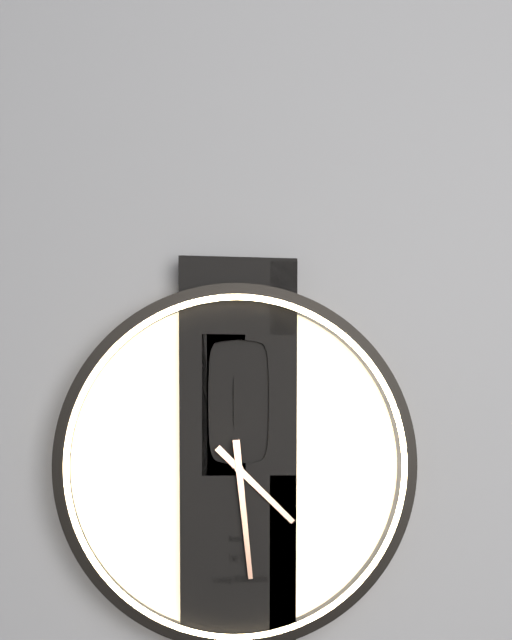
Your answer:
**4:29**
